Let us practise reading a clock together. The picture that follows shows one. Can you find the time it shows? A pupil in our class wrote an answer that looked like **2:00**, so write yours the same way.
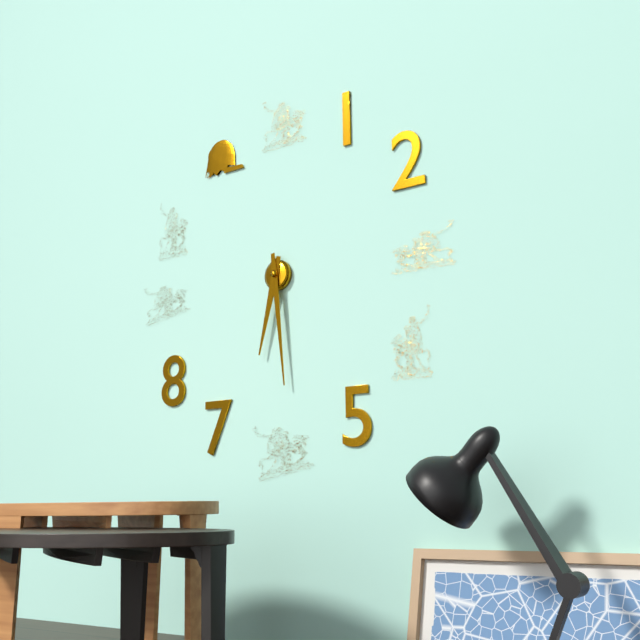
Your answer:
**6:29**
